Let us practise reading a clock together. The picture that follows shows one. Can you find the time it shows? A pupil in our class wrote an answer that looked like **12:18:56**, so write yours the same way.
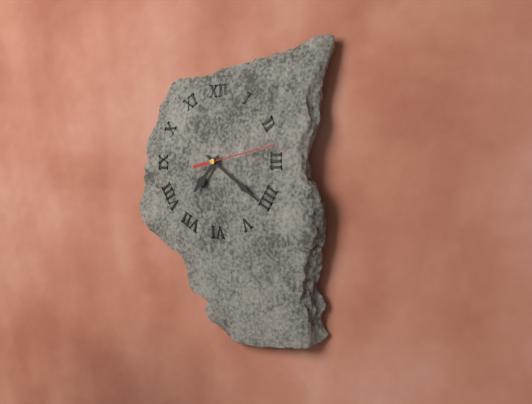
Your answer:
**7:21:13**
